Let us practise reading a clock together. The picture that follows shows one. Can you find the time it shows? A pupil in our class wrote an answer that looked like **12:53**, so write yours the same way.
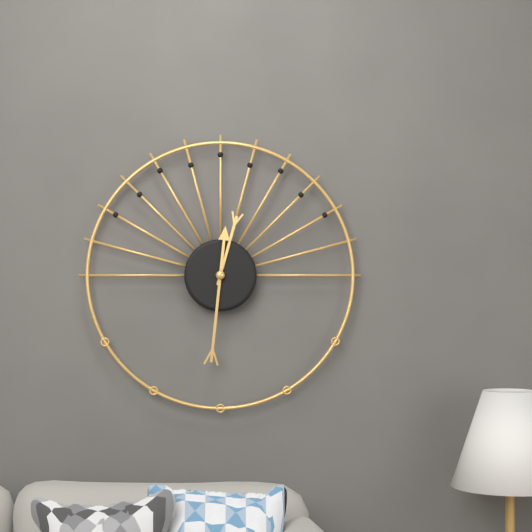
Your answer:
**12:31**
